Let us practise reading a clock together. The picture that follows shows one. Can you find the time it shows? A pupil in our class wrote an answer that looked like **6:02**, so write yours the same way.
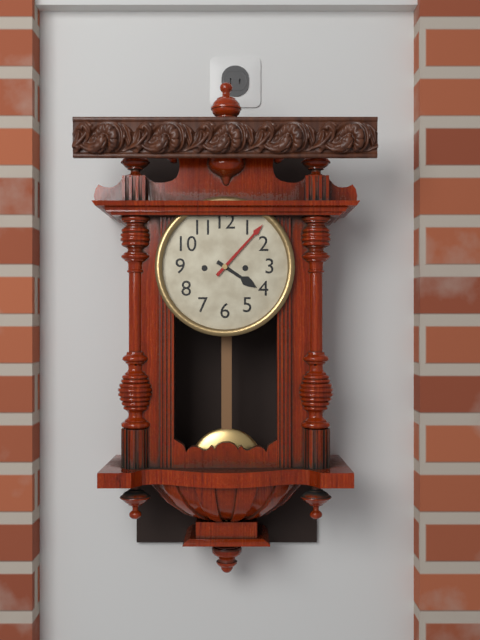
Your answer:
**4:07**
